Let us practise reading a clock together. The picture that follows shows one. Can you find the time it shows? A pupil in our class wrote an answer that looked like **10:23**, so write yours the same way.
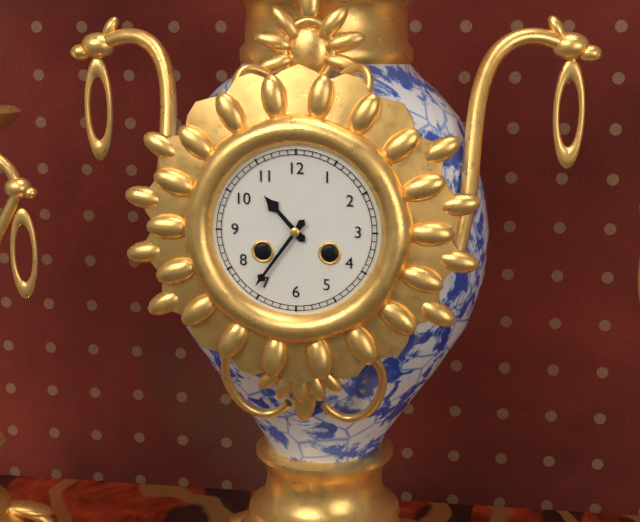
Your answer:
**10:36**
